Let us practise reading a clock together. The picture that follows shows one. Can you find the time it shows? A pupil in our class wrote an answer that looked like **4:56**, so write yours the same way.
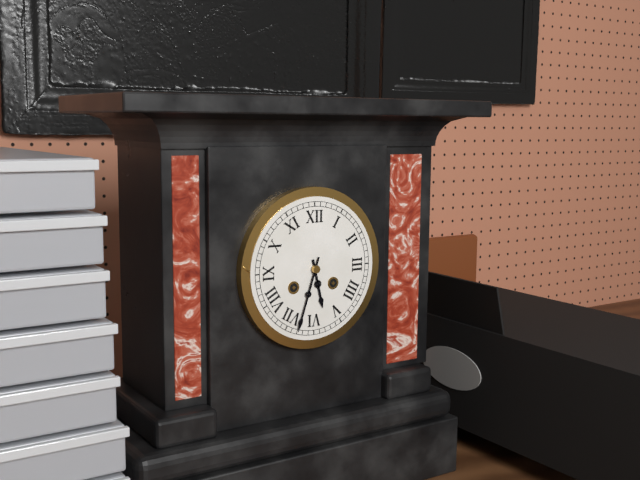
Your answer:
**5:33**
